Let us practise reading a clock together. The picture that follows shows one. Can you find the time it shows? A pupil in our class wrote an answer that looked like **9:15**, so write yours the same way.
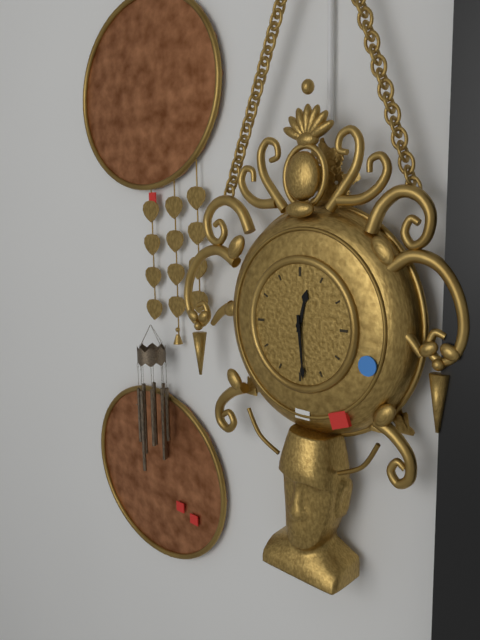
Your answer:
**12:29**
